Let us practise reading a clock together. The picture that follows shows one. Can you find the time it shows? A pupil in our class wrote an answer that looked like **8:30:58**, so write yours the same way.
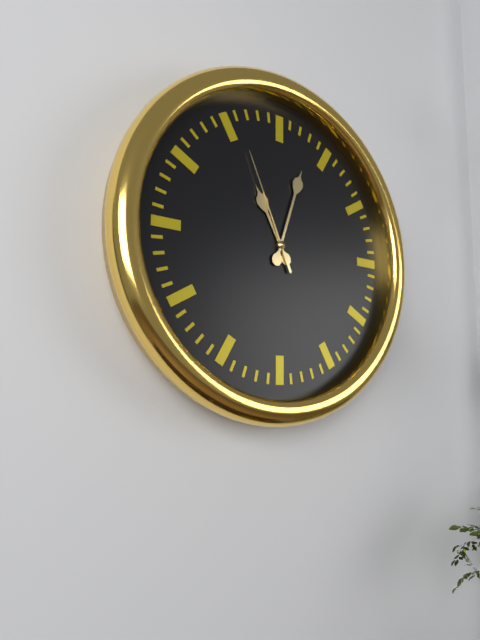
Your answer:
**11:03:56**
